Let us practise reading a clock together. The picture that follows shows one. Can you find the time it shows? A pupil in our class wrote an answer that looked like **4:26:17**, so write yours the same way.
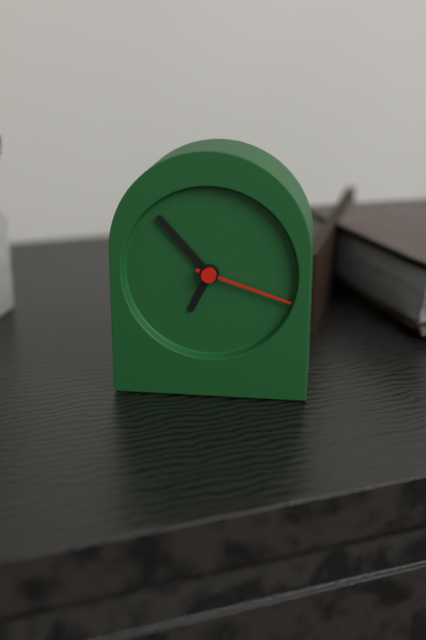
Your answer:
**6:53:18**
